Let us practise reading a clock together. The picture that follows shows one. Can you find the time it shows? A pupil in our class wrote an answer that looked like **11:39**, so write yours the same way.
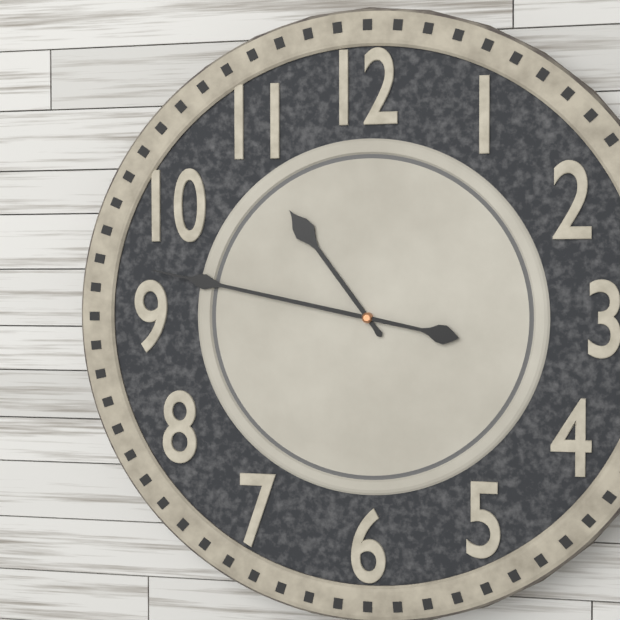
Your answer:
**10:47**
